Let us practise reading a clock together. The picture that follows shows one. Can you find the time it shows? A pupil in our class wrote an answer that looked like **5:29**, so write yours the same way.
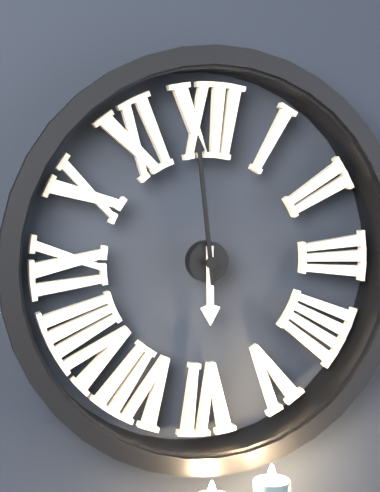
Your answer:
**5:59**
